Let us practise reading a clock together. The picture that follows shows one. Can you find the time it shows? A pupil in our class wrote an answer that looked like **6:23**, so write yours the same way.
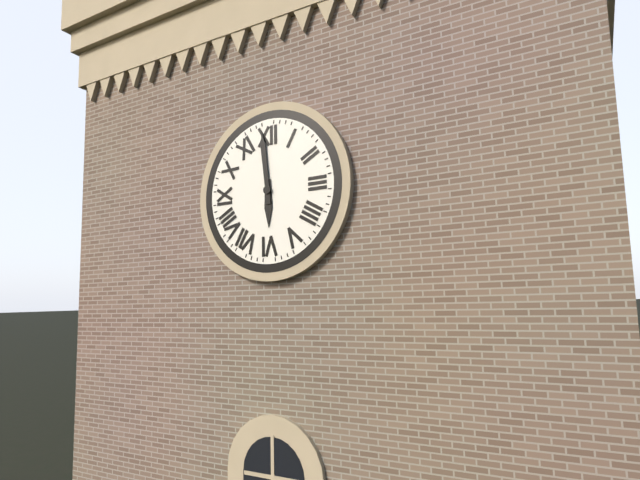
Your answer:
**5:59**
